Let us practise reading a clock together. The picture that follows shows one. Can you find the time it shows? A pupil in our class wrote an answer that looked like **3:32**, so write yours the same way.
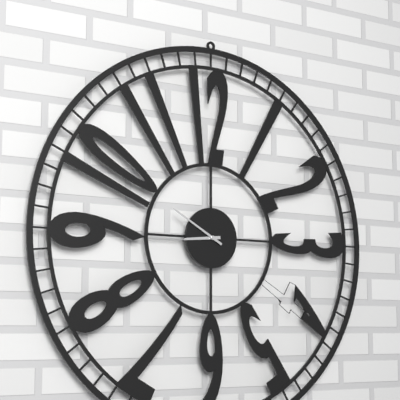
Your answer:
**8:50**
